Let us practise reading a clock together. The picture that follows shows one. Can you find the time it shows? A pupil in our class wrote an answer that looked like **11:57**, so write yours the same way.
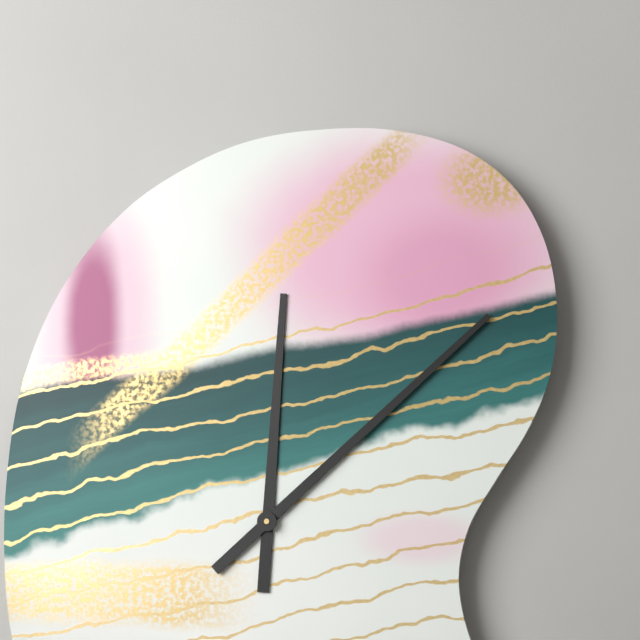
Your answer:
**12:08**
